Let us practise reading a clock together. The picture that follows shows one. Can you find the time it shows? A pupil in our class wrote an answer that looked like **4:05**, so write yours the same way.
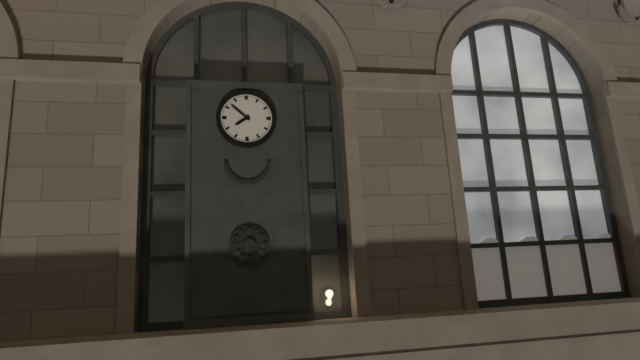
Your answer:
**7:52**
